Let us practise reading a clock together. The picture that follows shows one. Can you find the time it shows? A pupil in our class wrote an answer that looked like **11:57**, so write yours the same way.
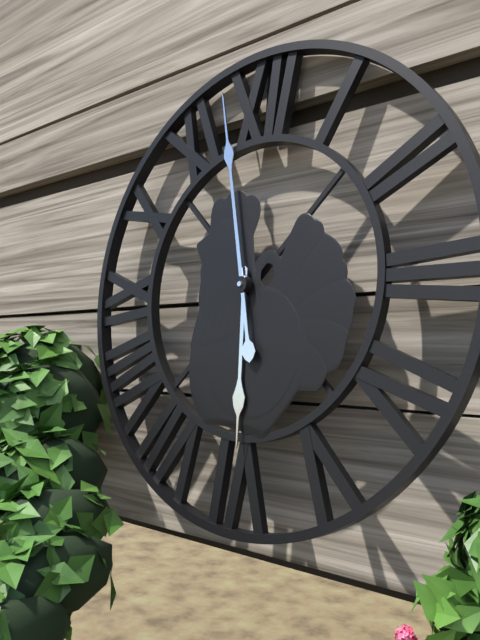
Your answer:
**5:58**
